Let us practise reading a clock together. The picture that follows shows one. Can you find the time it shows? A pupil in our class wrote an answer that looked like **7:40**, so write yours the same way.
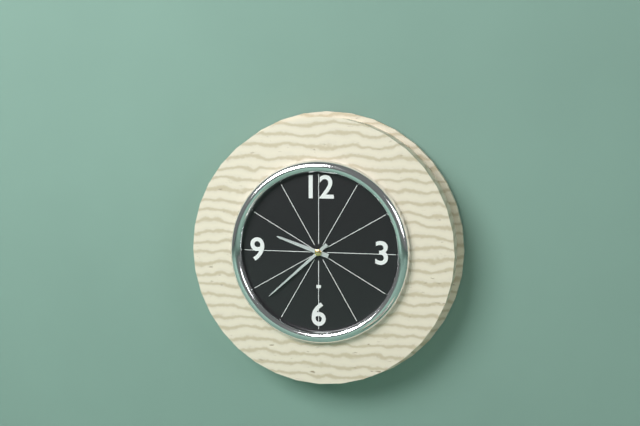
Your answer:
**9:38**
